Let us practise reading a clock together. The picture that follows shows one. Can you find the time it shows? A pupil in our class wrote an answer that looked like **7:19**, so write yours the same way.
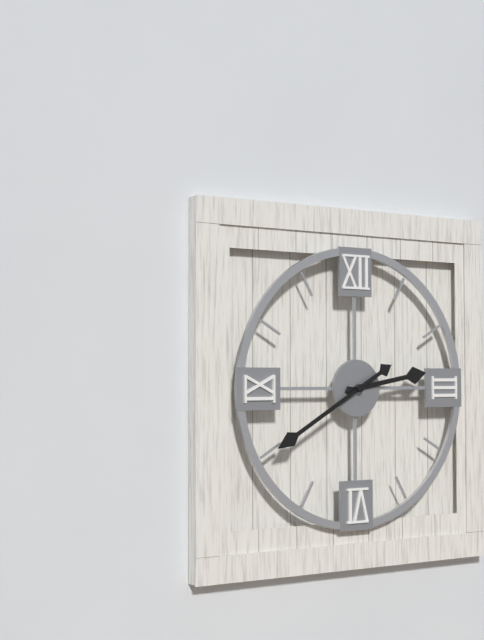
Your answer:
**2:40**
